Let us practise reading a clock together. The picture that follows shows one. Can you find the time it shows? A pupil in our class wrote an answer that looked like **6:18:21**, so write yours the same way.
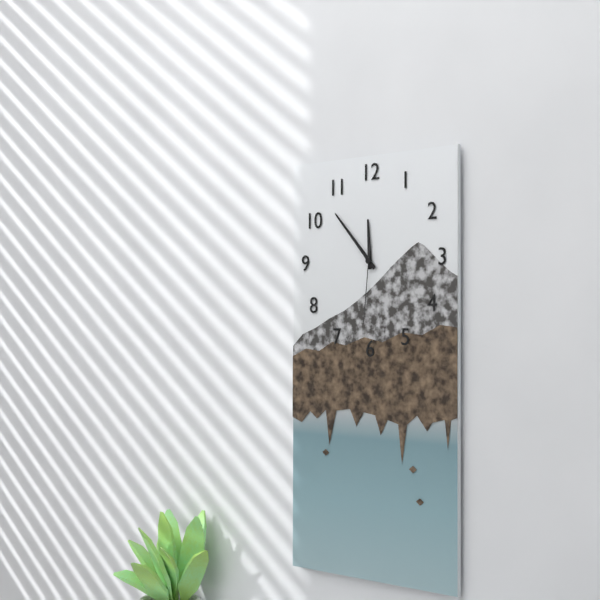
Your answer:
**11:53:31**
